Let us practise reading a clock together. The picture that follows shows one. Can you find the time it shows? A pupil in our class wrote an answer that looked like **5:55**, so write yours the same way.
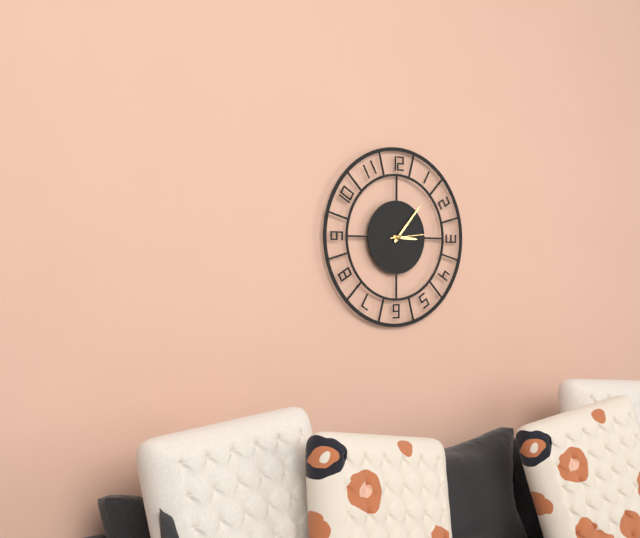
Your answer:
**3:07**
